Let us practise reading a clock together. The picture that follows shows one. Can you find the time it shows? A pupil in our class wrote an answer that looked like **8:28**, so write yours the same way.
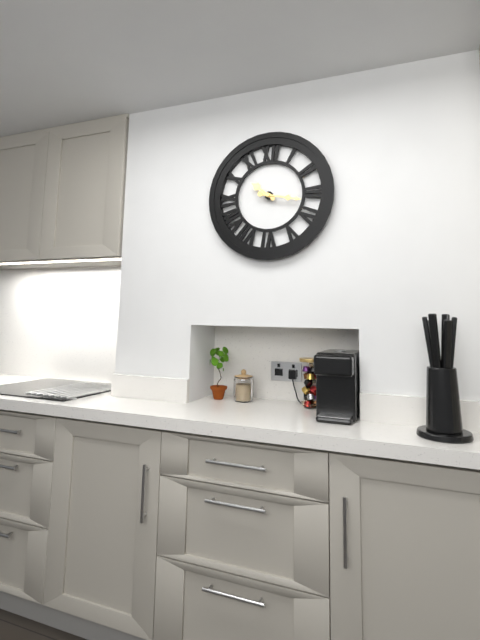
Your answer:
**10:17**
